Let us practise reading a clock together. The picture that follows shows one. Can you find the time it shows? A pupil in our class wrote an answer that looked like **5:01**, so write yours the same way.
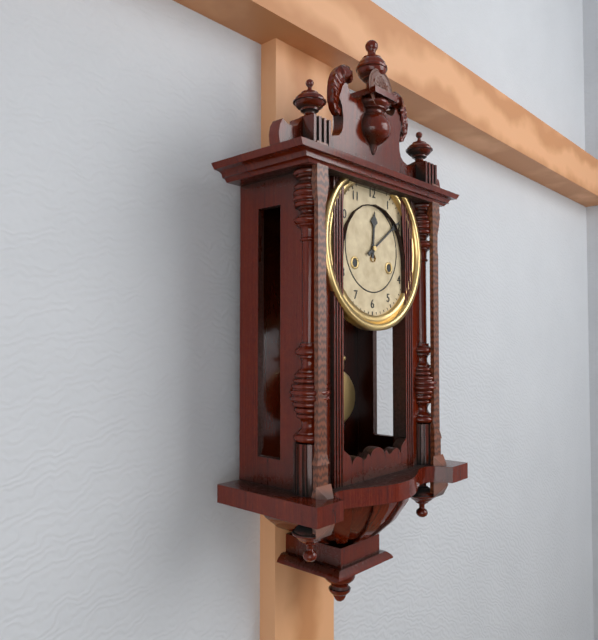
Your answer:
**12:09**
